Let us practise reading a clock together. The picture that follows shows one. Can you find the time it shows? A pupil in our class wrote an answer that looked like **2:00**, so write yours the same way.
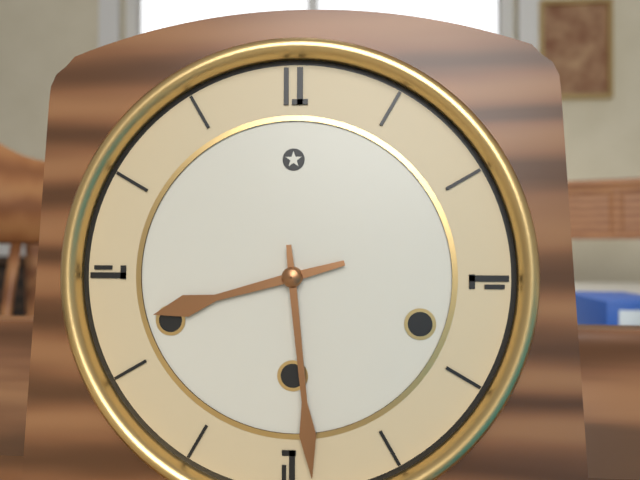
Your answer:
**8:29**
